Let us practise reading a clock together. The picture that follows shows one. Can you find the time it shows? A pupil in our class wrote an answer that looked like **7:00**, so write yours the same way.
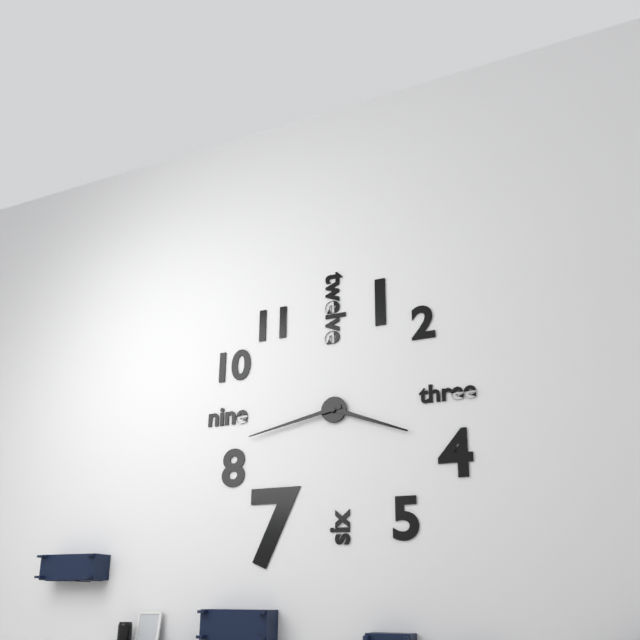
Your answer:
**3:43**
